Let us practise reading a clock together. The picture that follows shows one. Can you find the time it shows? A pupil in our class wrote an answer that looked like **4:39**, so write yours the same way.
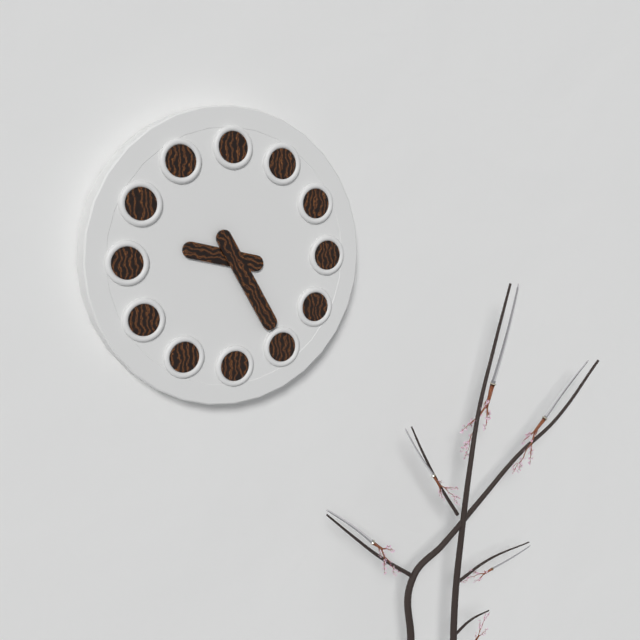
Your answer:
**9:25**
